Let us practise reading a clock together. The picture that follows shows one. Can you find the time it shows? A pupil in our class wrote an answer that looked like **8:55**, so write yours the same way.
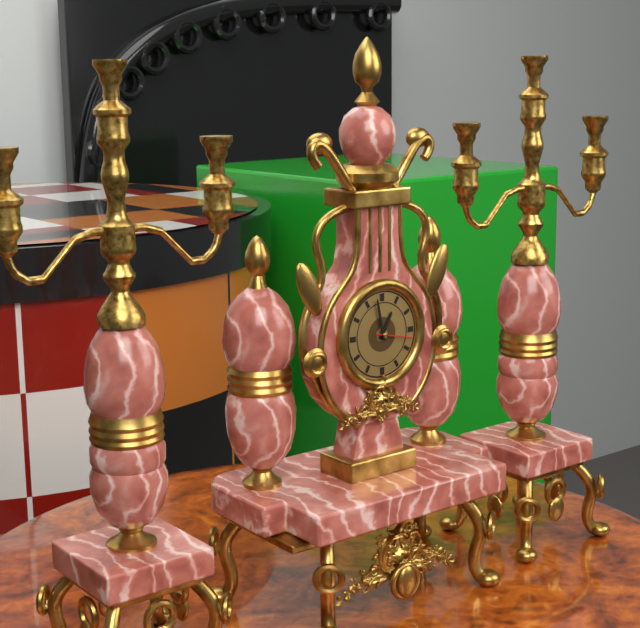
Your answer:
**12:58**
